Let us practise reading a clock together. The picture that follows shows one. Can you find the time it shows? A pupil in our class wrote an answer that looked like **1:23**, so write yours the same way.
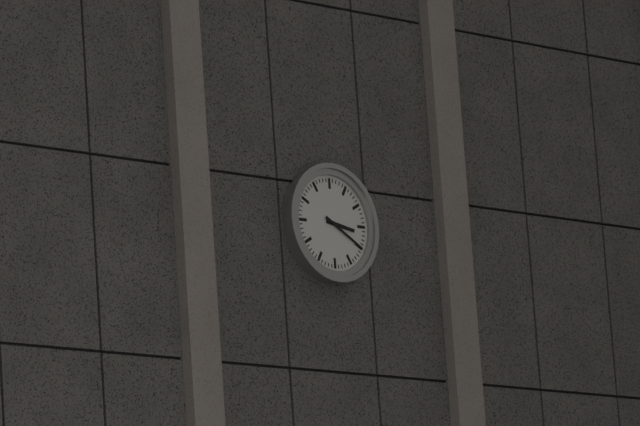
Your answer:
**3:20**
